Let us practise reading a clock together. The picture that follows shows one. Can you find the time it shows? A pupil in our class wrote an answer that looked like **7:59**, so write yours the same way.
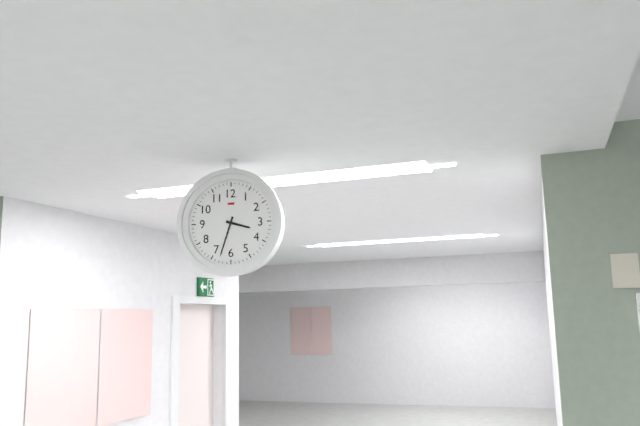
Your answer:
**3:33**
